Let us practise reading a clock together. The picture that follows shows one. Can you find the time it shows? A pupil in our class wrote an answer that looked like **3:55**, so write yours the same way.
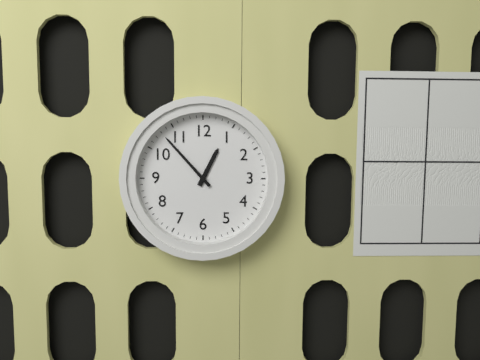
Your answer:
**12:53**
